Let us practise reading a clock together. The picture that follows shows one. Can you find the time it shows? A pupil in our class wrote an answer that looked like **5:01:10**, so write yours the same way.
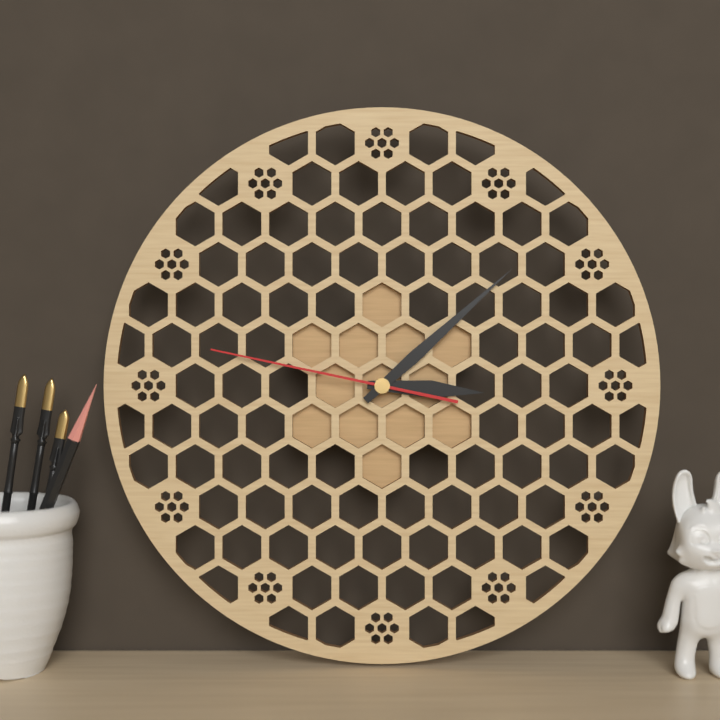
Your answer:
**3:08:47**
